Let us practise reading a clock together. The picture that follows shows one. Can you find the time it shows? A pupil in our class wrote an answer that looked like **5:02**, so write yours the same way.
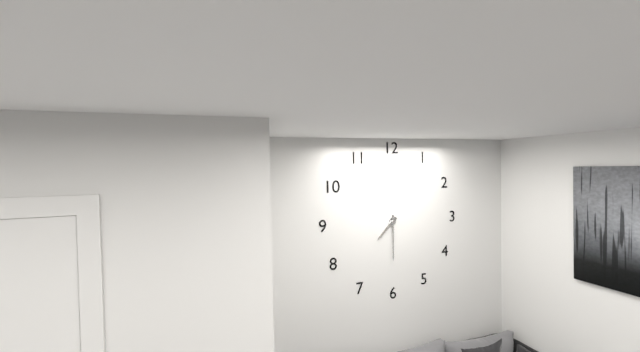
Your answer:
**7:30**
